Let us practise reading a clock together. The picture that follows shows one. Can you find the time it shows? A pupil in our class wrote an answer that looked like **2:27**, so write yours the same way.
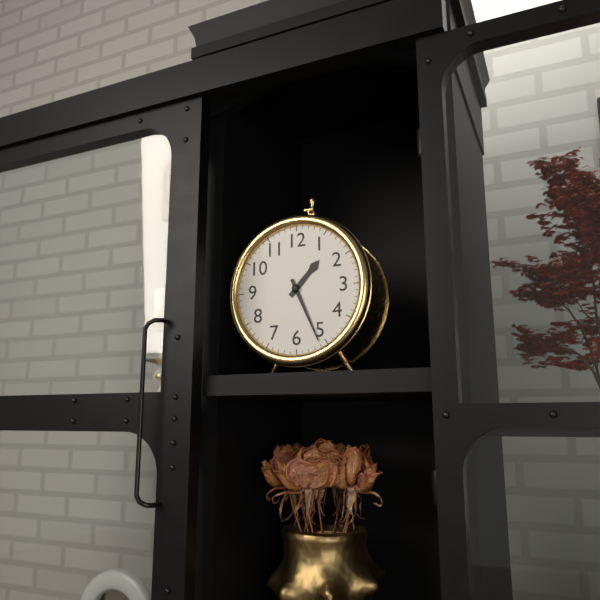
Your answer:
**1:26**
